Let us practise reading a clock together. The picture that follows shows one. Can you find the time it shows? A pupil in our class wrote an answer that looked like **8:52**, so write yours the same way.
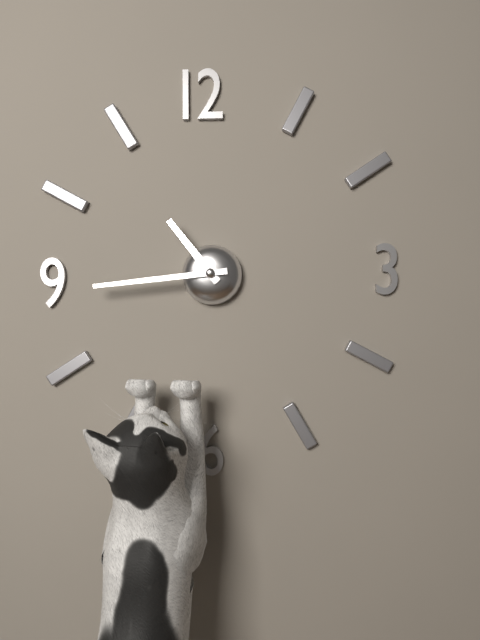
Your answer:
**10:44**
